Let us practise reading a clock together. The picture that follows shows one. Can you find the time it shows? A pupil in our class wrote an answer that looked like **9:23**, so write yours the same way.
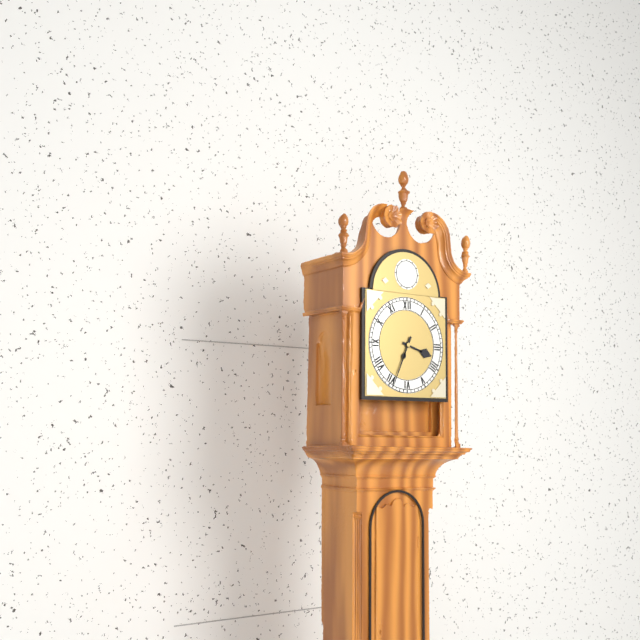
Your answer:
**3:34**
